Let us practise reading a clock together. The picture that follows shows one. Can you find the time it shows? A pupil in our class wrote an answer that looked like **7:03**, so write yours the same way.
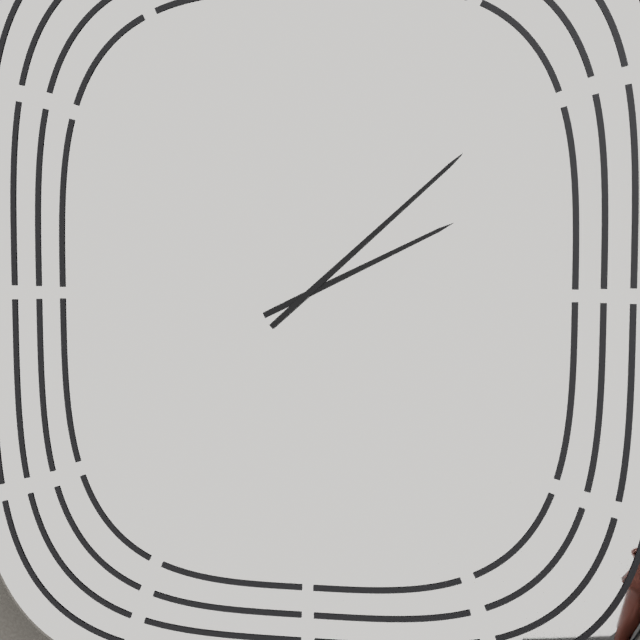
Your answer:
**2:08**
